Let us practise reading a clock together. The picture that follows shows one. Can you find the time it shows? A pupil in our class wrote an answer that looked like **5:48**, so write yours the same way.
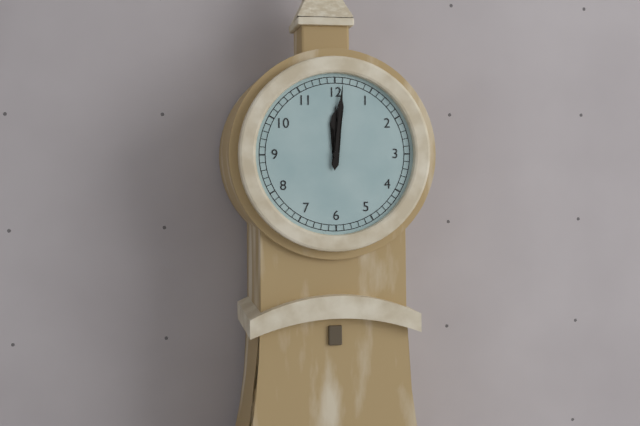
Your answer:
**12:01**
